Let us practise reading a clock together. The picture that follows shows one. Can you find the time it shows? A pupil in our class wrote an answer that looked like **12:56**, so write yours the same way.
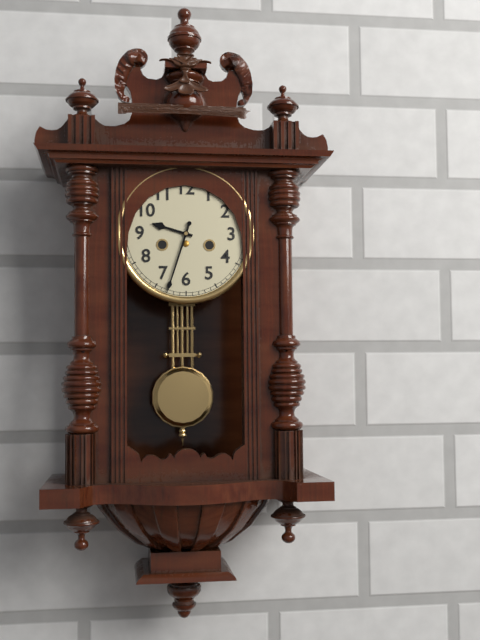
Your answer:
**9:33**
